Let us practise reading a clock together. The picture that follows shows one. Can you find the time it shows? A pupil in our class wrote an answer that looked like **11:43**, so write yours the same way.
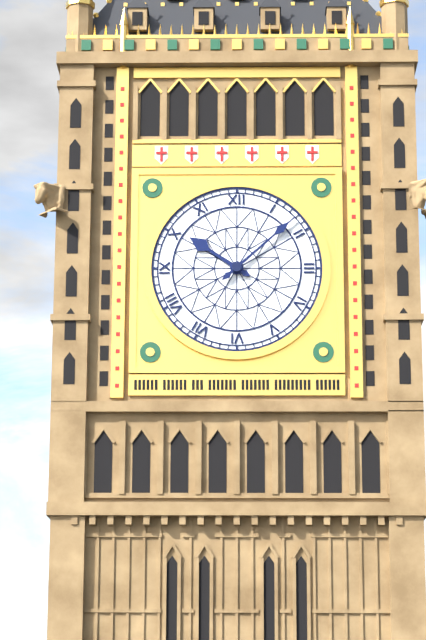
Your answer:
**10:08**
